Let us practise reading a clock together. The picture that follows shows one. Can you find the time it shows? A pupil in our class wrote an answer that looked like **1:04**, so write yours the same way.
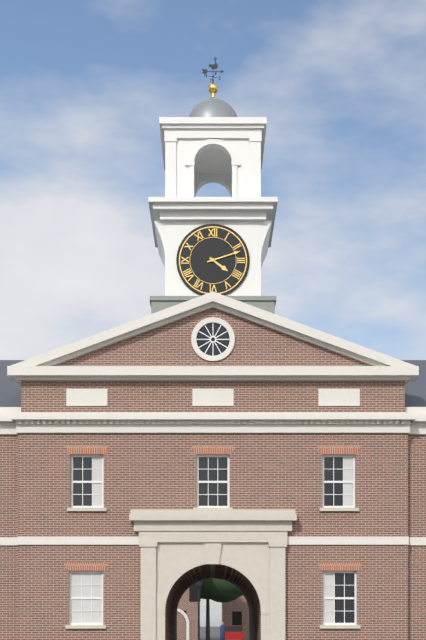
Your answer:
**4:12**
